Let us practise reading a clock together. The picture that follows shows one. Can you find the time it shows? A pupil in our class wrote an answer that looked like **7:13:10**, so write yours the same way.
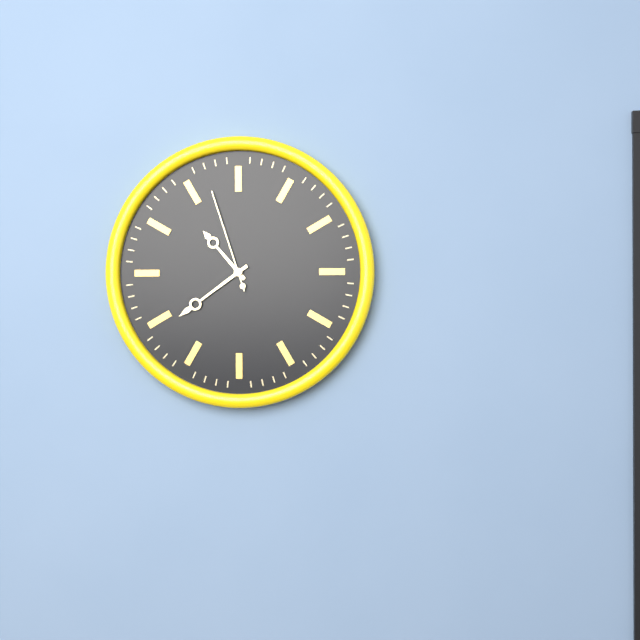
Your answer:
**10:39:57**
